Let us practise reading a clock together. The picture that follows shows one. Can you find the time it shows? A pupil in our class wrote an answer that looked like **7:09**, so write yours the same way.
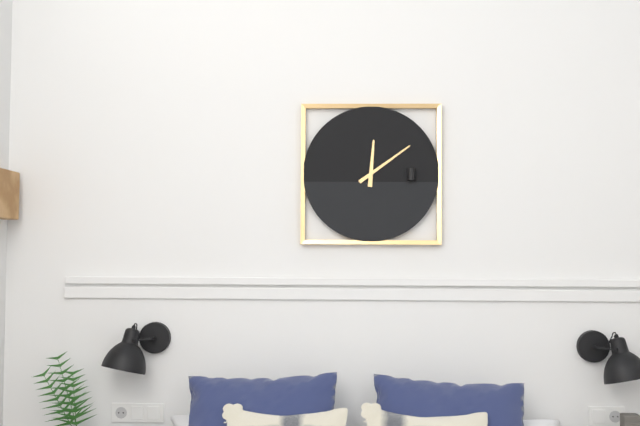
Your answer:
**12:09**
